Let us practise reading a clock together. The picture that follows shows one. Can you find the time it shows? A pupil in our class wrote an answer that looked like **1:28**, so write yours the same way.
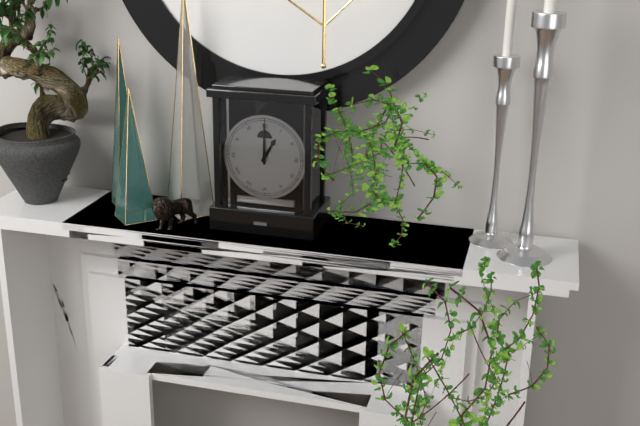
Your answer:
**1:00**
